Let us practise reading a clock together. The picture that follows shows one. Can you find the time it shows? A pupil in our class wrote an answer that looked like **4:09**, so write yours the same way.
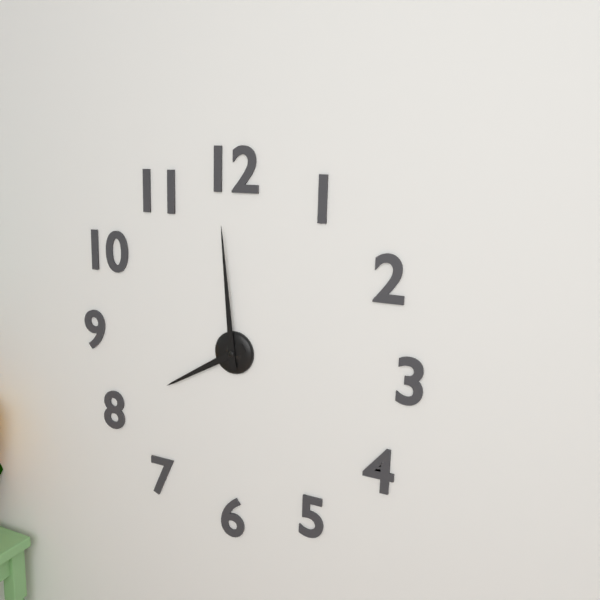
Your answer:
**7:59**
